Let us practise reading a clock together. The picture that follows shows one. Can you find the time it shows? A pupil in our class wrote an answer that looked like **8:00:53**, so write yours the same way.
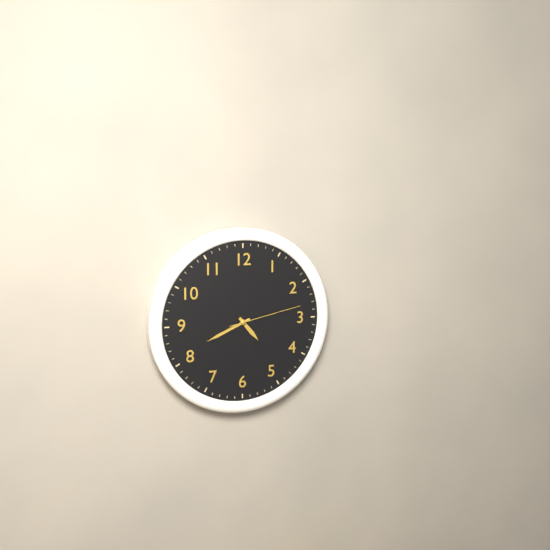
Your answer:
**4:41:13**
